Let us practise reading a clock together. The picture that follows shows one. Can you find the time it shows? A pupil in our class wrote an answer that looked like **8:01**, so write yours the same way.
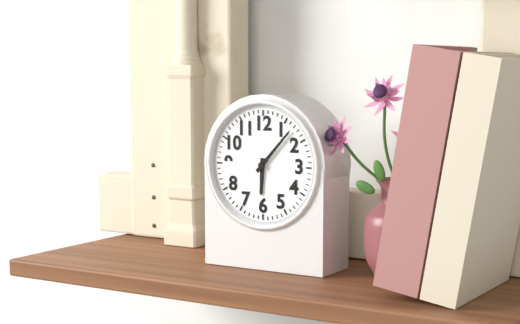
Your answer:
**6:07**
